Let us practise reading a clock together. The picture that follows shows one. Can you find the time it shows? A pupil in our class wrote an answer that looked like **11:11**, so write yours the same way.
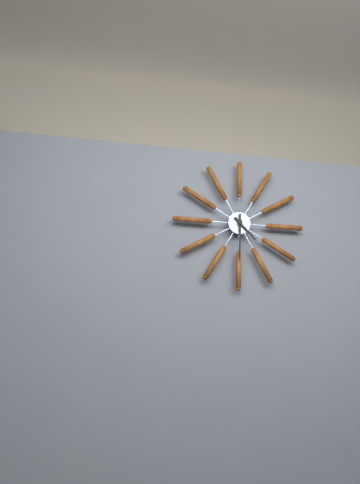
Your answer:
**4:30**
